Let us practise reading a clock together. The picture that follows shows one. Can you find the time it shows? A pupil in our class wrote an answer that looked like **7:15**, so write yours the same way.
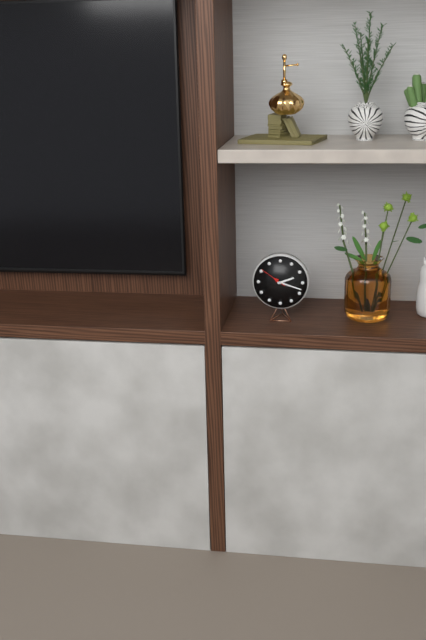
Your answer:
**2:18**
